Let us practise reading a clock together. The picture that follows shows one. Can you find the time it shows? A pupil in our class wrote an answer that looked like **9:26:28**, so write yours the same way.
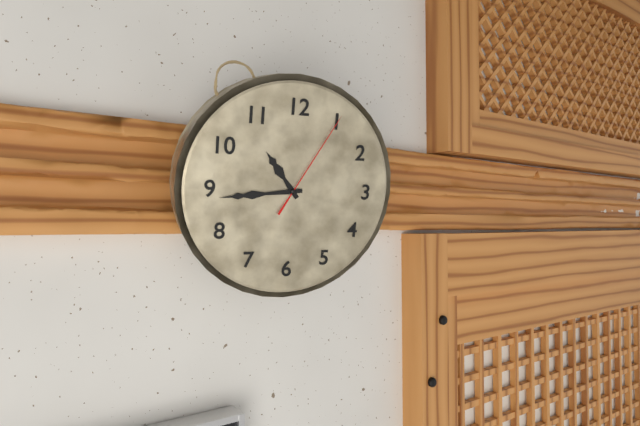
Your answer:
**10:44:05**
